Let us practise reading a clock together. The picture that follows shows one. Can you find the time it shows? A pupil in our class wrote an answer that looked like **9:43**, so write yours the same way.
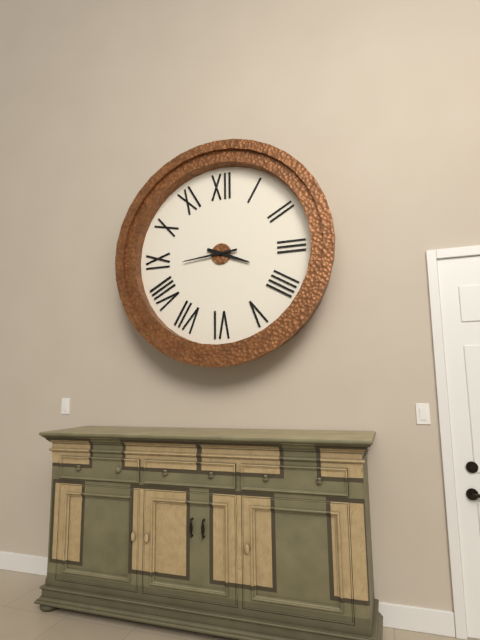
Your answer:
**3:44**
